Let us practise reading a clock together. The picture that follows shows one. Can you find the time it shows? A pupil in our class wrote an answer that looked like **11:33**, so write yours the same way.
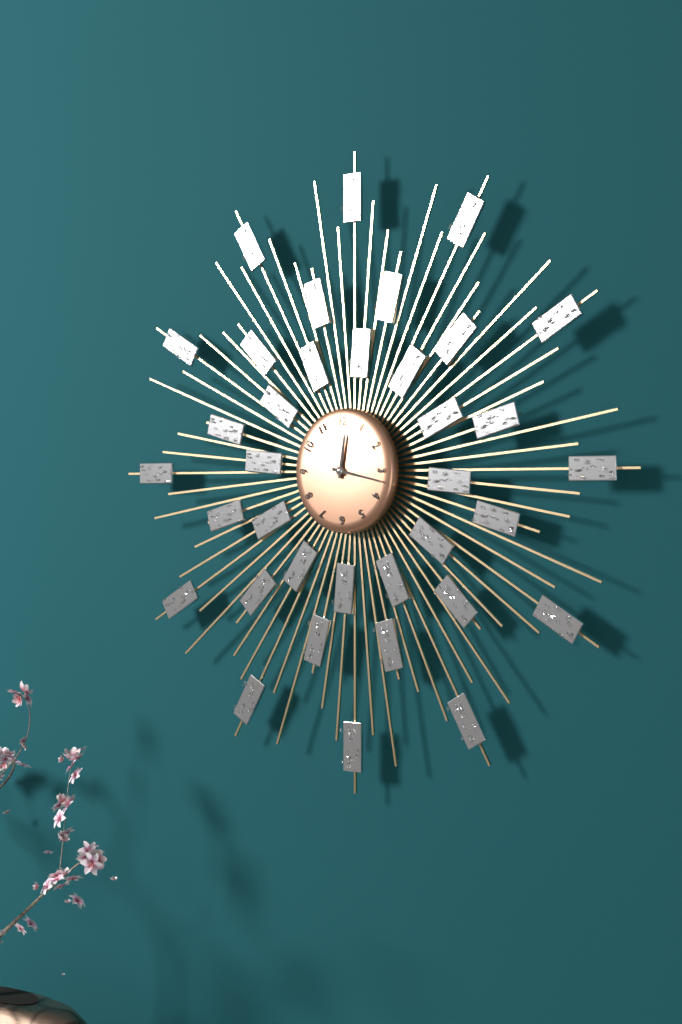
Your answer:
**12:17**
